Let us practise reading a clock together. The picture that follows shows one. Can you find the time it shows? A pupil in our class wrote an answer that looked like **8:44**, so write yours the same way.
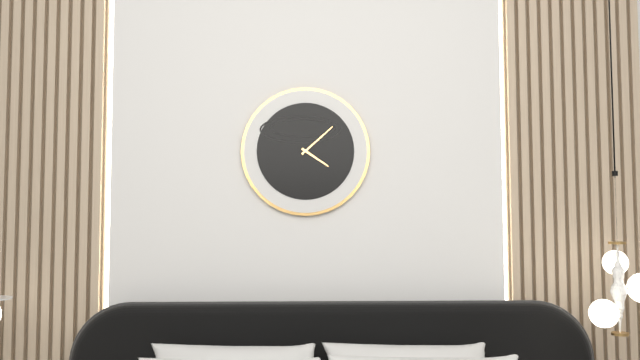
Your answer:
**4:08**
